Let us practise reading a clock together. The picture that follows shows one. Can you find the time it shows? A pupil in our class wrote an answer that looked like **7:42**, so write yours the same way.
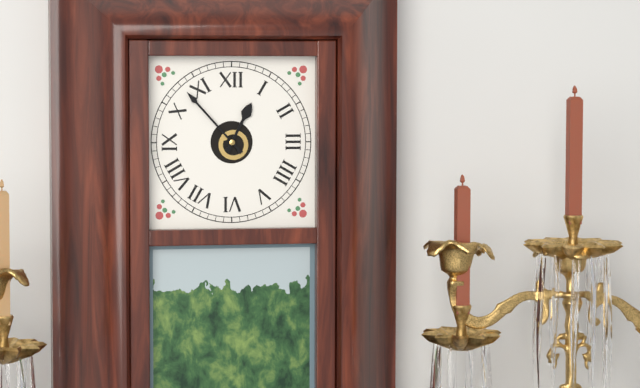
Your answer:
**12:53**
